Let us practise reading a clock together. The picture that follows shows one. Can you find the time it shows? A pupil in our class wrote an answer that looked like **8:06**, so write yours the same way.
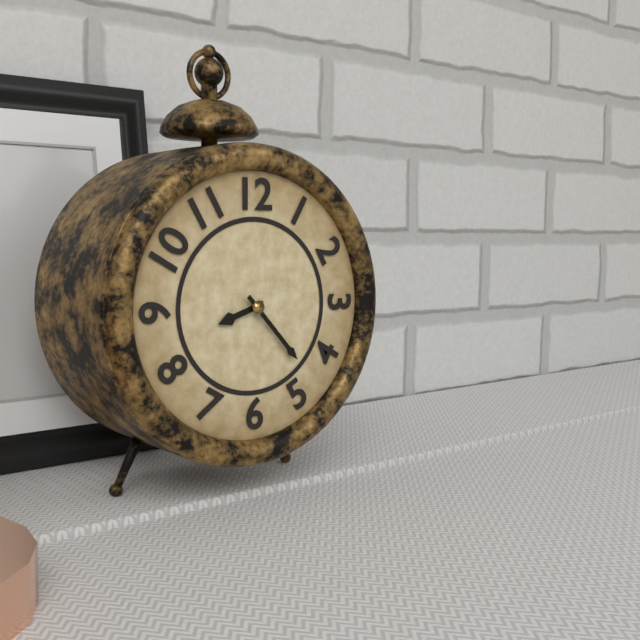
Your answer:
**8:23**
